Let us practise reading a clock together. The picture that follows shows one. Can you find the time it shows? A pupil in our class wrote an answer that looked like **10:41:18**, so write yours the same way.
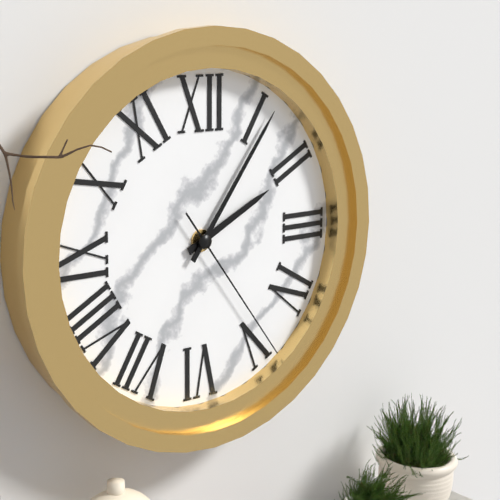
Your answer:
**2:06:24**
